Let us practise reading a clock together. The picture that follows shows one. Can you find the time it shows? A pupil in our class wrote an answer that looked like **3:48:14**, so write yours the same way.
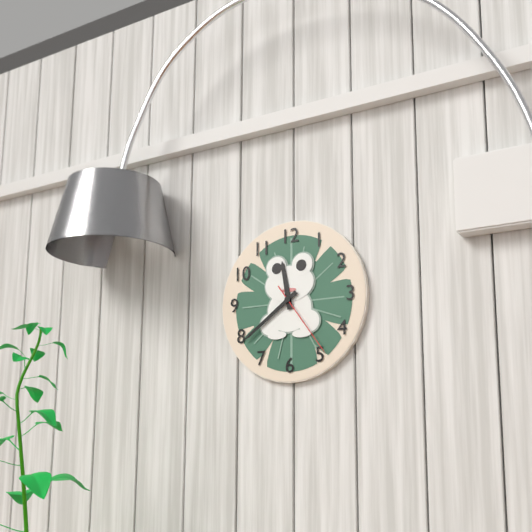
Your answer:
**11:39:24**
